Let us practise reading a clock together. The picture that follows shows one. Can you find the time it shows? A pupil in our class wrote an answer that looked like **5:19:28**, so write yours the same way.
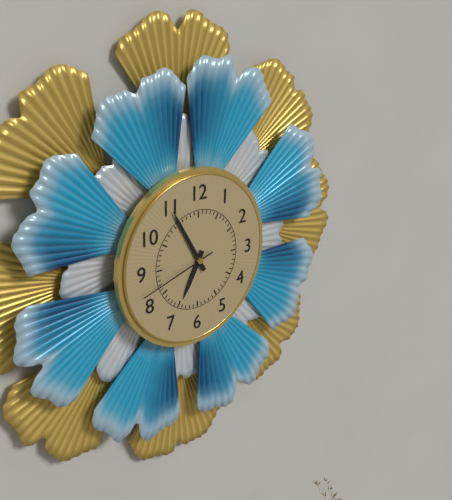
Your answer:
**6:55:42**
